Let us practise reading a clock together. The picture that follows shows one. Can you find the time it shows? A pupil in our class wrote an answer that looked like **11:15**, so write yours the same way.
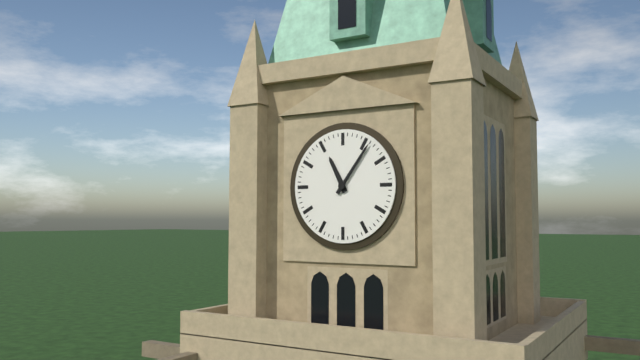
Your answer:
**11:06**
